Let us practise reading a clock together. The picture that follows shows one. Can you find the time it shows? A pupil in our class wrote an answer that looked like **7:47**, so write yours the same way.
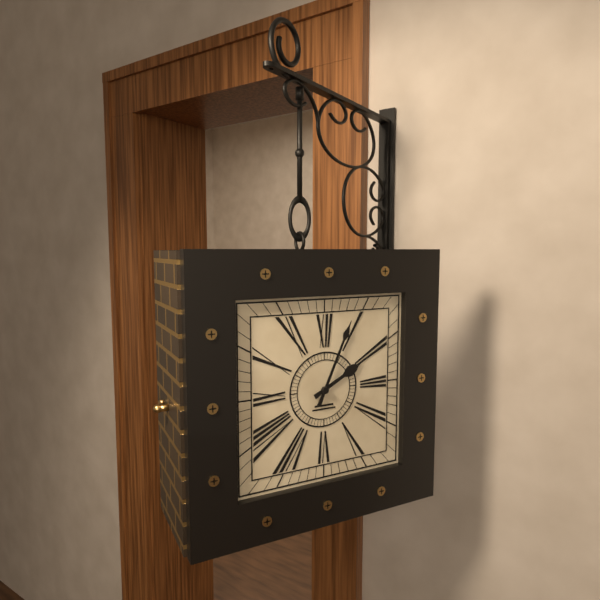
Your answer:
**2:04**
